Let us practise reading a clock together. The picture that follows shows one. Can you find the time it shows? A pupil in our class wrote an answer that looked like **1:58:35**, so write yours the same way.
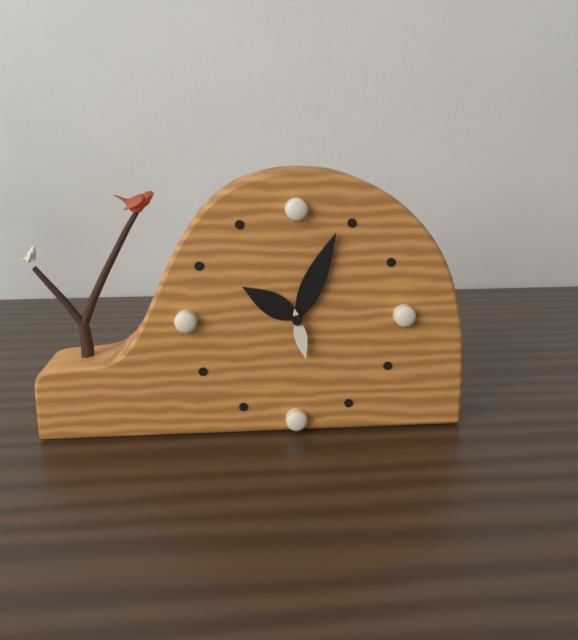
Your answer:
**10:04:28**
